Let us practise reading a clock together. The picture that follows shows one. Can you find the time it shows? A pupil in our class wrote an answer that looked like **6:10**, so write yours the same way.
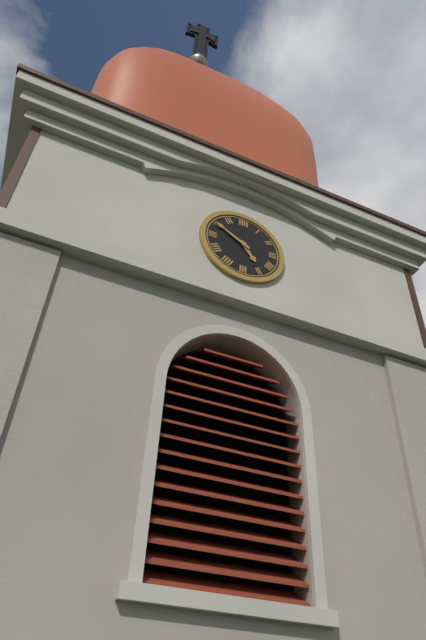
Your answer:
**4:50**
